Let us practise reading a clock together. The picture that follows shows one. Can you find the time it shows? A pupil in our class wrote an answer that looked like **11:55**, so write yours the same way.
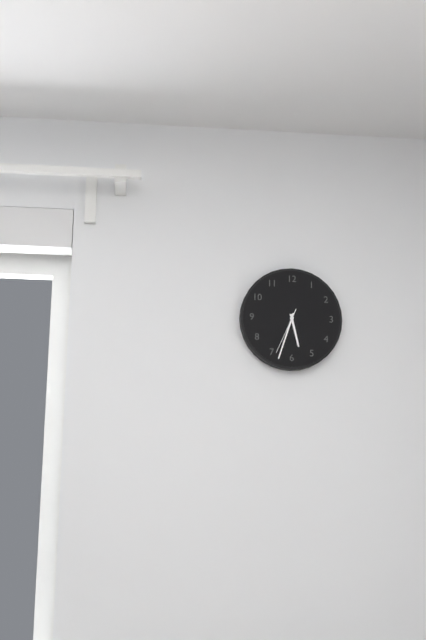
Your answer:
**5:33**
